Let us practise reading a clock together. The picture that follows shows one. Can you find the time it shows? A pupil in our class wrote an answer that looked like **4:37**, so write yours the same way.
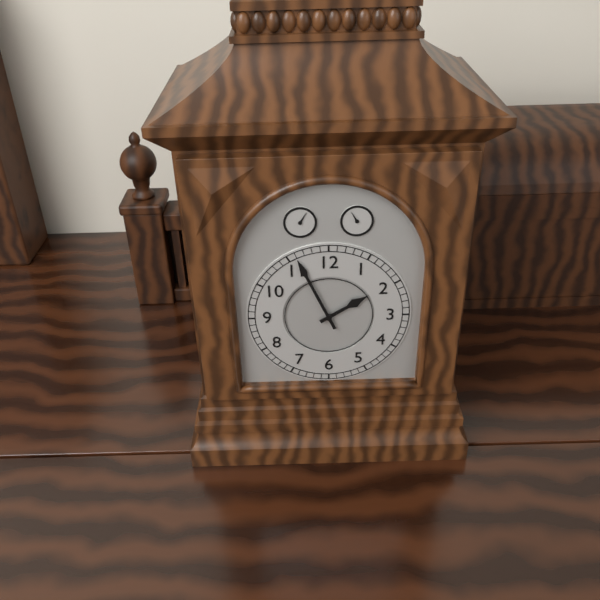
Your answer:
**1:56**
